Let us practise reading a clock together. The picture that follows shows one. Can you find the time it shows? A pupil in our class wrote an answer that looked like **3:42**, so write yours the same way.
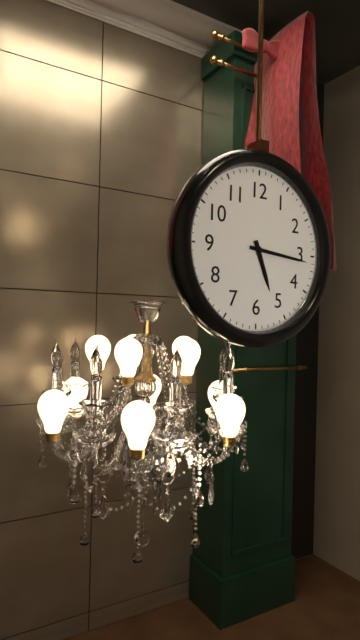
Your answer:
**5:16**
